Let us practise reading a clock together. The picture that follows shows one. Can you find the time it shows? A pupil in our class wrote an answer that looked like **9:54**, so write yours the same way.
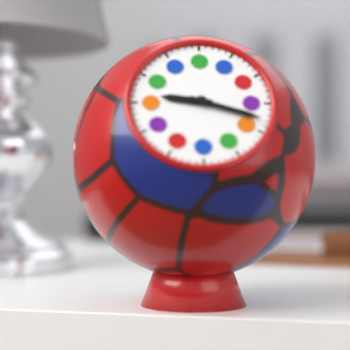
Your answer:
**9:18**
